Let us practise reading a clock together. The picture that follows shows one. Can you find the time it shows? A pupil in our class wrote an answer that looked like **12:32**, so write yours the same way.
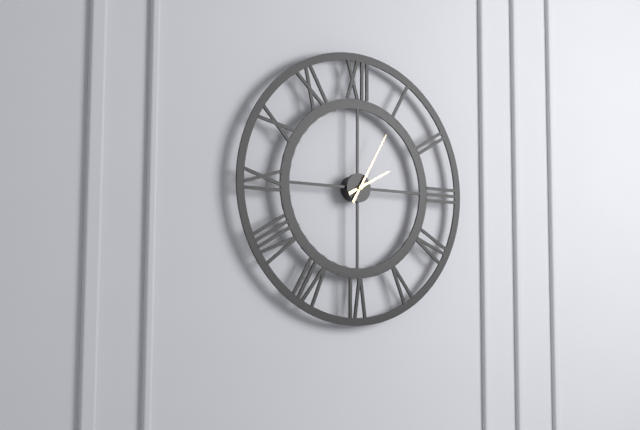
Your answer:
**2:05**
